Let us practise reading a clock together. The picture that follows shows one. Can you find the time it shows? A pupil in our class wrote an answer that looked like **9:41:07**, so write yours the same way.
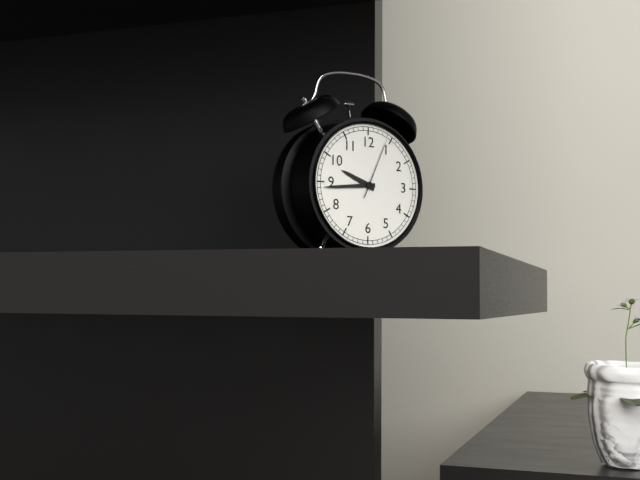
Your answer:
**9:44:04**
